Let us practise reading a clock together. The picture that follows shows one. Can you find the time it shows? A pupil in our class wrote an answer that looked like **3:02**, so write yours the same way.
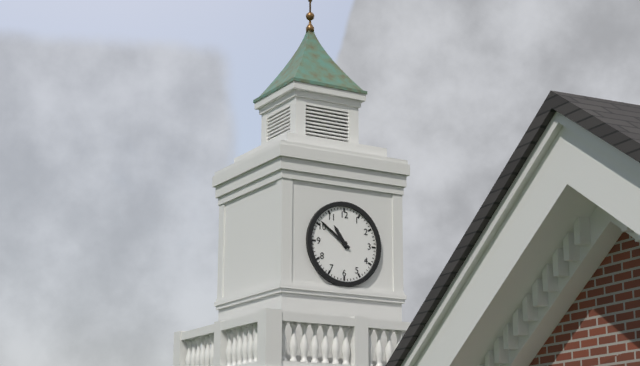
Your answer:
**10:51**
